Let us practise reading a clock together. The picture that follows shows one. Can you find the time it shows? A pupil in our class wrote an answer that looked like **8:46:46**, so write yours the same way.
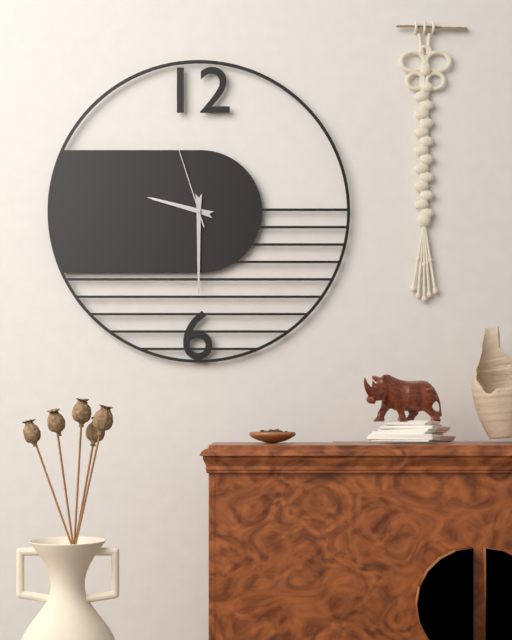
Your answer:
**9:30:57**
